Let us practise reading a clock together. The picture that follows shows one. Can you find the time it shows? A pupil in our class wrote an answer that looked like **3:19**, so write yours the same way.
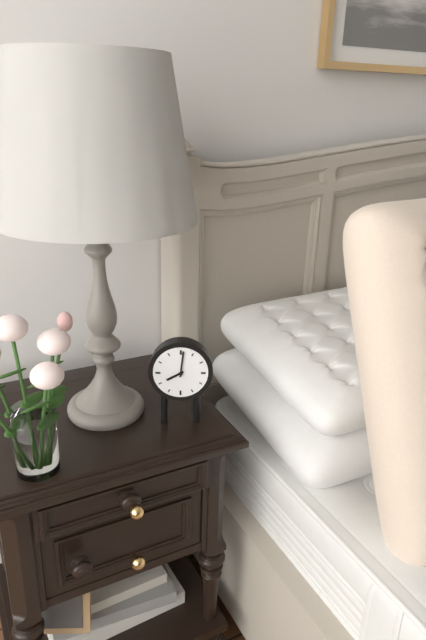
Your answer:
**8:01**
